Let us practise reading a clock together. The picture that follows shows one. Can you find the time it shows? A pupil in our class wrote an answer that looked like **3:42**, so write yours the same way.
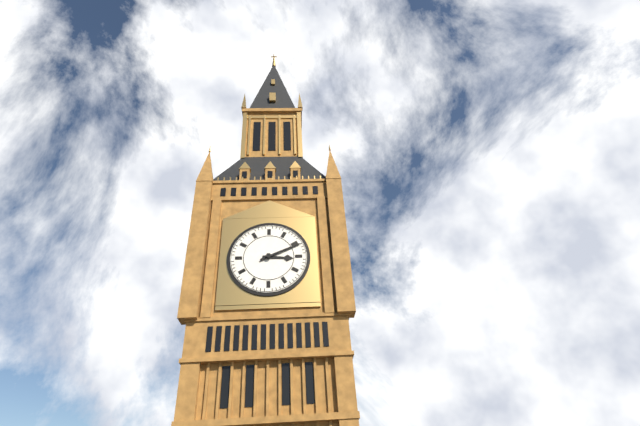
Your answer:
**3:11**
